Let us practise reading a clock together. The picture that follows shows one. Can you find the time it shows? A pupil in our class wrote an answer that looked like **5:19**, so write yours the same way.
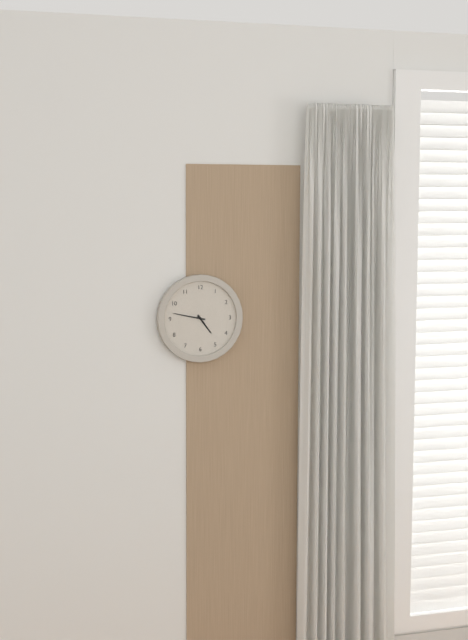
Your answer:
**4:47**
